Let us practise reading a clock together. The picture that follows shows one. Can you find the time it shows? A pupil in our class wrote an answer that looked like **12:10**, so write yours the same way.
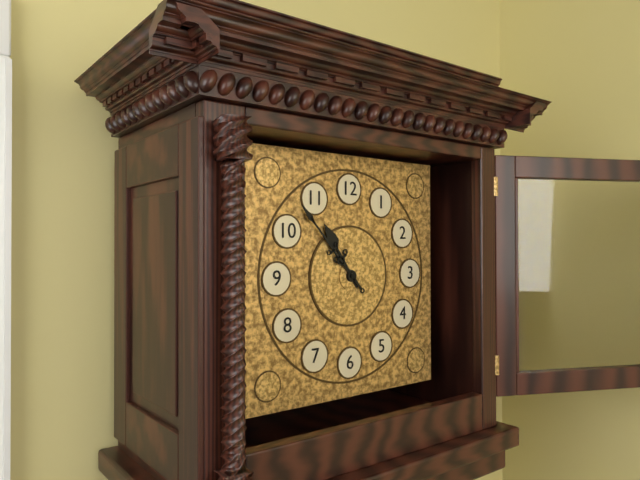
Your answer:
**10:53**
